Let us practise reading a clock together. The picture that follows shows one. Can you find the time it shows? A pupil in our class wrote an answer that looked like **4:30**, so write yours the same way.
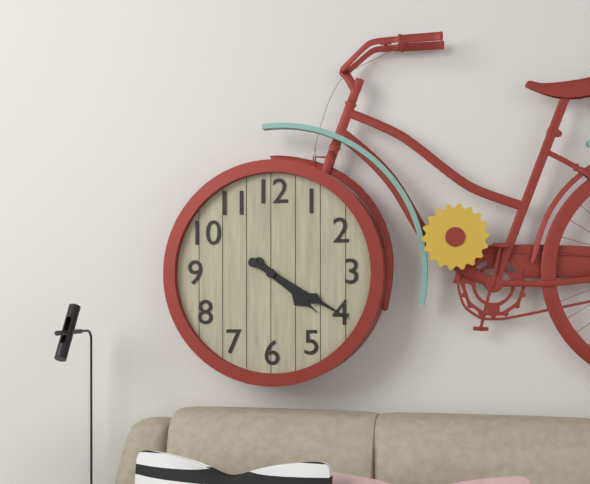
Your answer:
**4:20**
